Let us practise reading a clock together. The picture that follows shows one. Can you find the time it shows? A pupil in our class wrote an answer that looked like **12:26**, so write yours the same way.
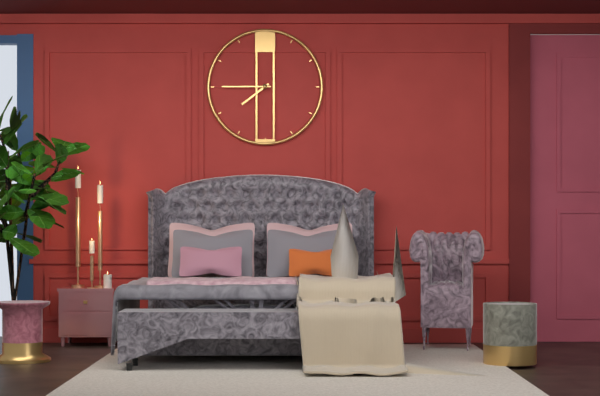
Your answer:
**7:45**
